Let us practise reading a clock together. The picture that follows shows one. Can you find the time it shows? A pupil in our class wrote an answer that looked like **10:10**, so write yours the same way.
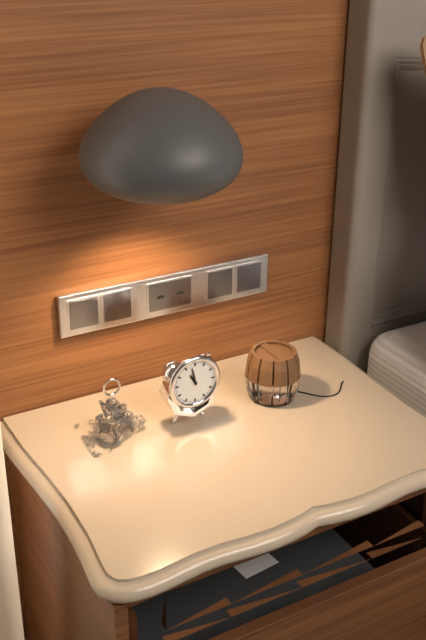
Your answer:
**10:58**
